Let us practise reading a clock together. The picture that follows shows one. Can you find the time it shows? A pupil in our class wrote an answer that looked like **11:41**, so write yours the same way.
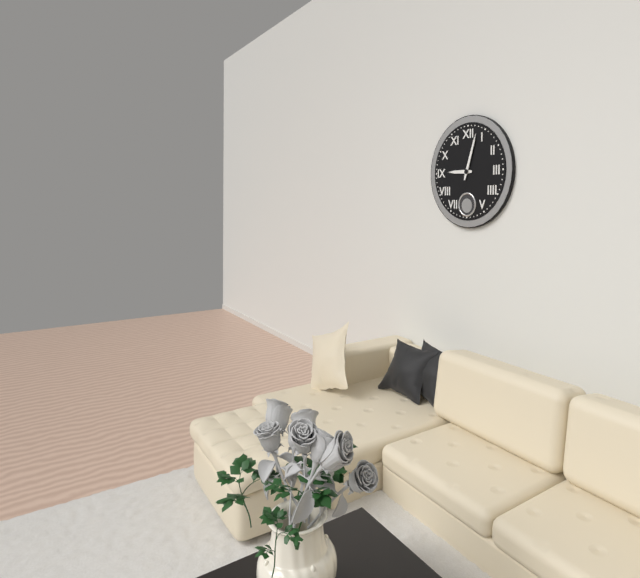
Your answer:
**9:03**
